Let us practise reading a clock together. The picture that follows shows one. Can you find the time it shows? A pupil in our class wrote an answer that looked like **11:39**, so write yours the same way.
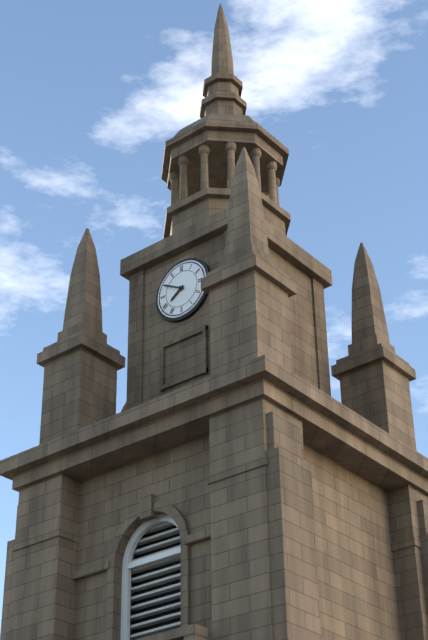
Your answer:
**7:50**
